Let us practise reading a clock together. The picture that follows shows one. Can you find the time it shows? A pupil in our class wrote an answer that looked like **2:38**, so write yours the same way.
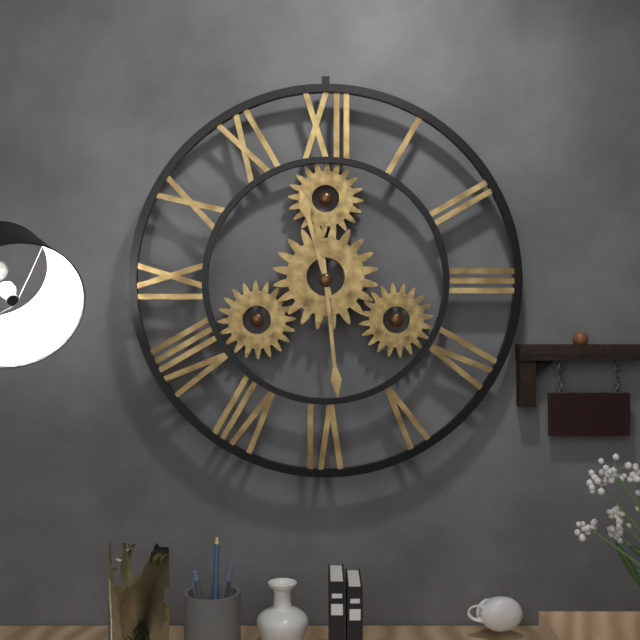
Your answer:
**11:29**
